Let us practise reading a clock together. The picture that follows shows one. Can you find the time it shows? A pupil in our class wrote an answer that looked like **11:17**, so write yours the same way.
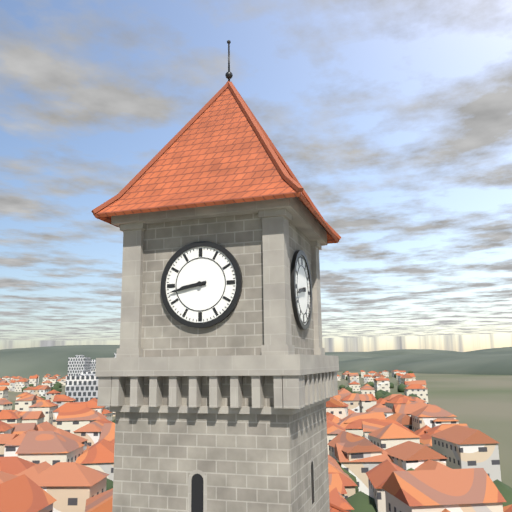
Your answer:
**8:43**
